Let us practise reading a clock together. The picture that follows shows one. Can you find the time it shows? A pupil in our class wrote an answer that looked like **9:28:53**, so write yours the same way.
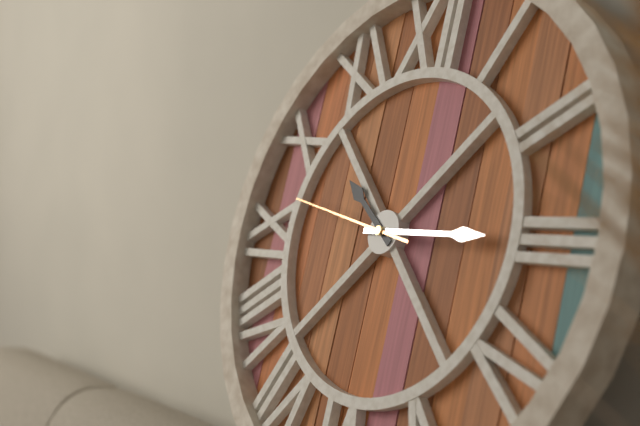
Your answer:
**10:15:47**
